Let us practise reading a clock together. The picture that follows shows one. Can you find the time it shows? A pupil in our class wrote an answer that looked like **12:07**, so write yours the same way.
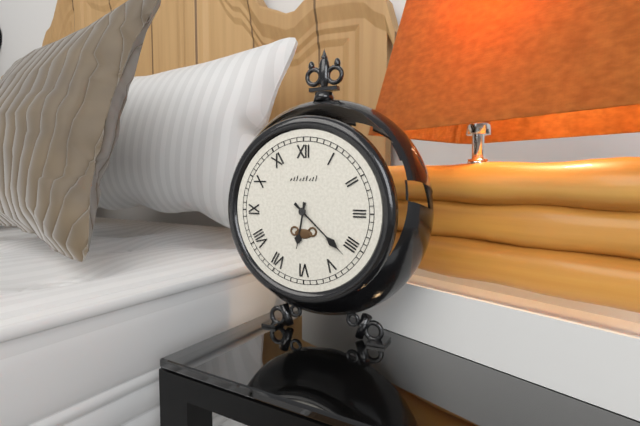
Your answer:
**6:22**
